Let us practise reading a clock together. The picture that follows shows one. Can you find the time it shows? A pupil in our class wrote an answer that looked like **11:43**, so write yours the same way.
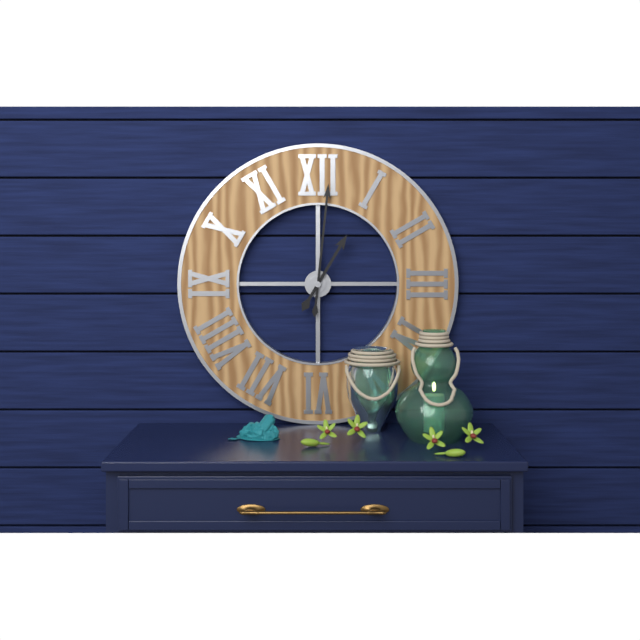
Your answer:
**1:01**
